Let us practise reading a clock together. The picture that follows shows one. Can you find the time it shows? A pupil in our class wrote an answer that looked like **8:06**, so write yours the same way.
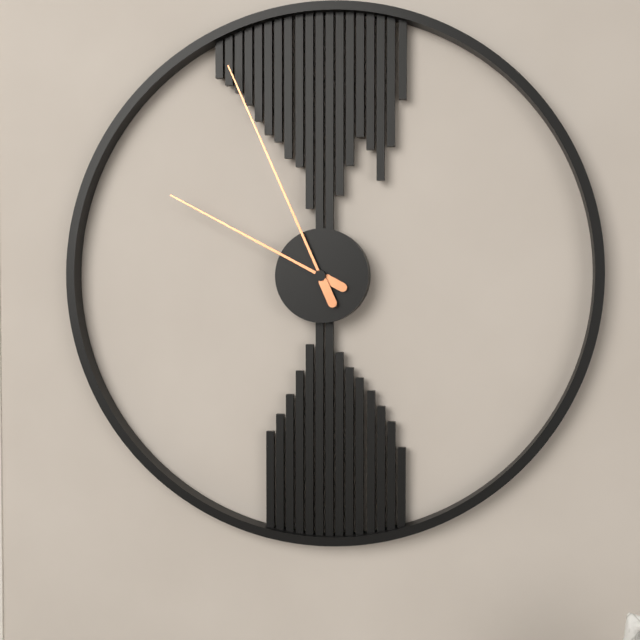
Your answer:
**9:56**
